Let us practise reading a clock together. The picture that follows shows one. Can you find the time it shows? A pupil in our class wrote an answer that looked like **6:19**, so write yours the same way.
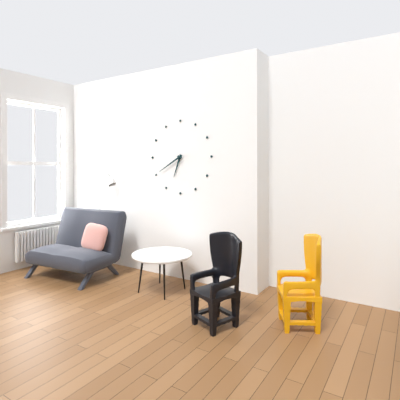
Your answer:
**6:40**
